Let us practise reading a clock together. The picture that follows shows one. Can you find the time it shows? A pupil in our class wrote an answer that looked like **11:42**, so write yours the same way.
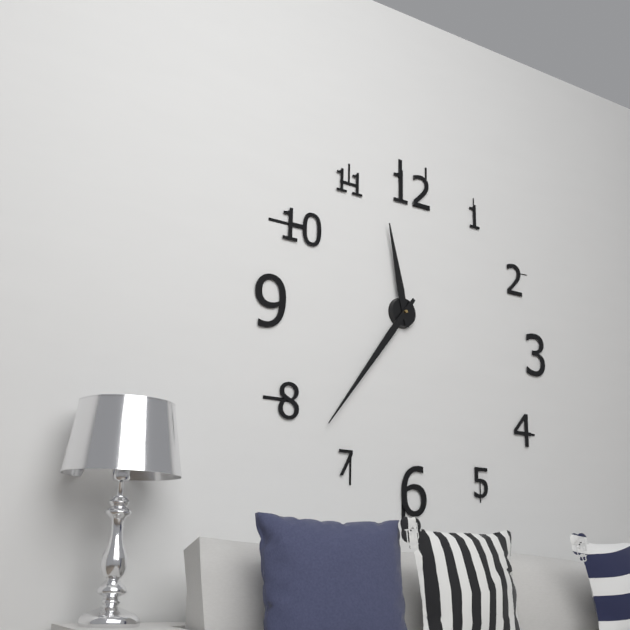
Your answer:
**11:36**
